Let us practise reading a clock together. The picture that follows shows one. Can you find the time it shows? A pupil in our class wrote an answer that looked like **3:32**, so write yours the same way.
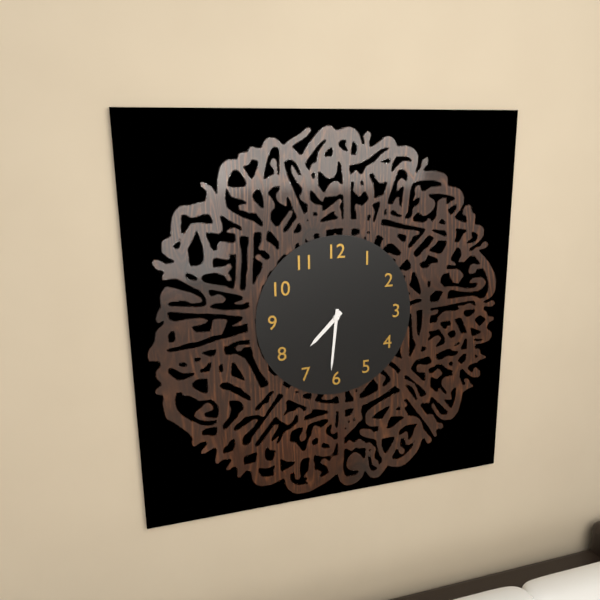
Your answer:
**7:31**
